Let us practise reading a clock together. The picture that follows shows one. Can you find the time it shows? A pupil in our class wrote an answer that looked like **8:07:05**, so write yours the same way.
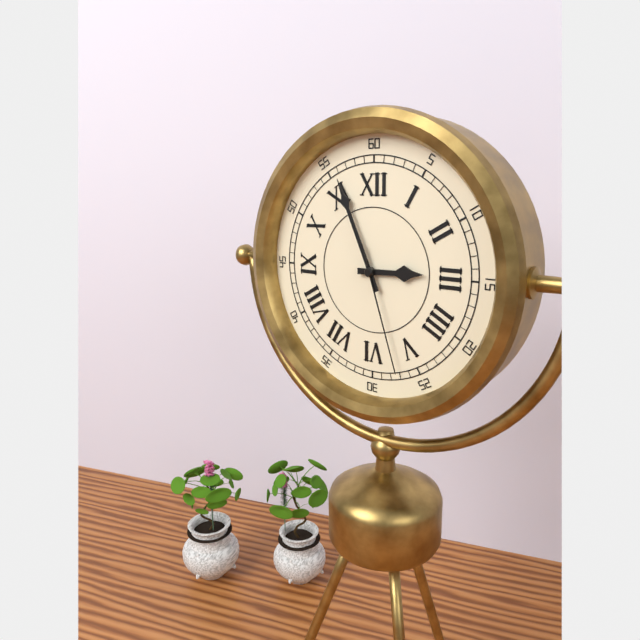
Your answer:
**2:56:27**
